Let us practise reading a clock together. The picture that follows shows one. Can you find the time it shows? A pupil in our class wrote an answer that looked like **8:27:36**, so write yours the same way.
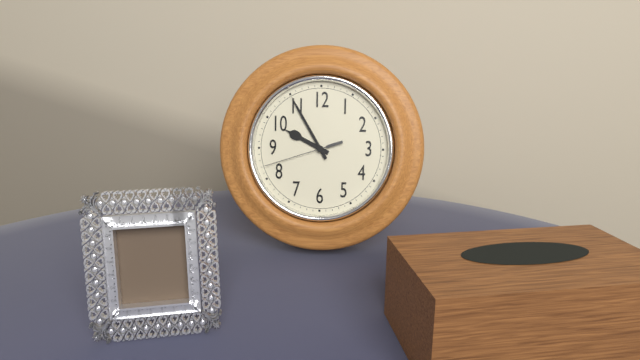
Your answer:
**9:55:42**
